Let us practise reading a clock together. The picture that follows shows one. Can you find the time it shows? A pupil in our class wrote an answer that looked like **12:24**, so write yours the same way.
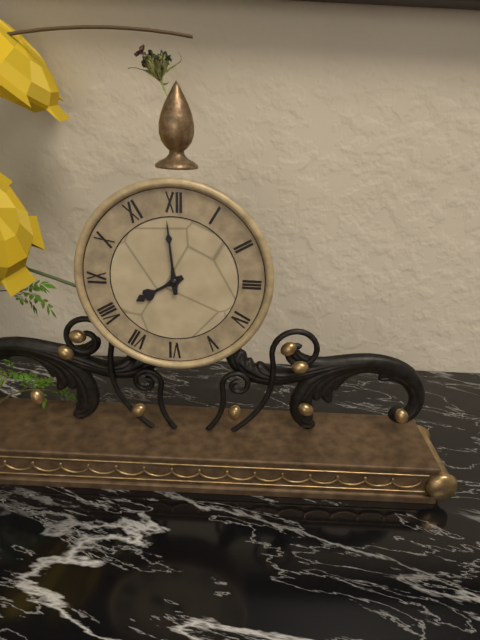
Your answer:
**7:59**
